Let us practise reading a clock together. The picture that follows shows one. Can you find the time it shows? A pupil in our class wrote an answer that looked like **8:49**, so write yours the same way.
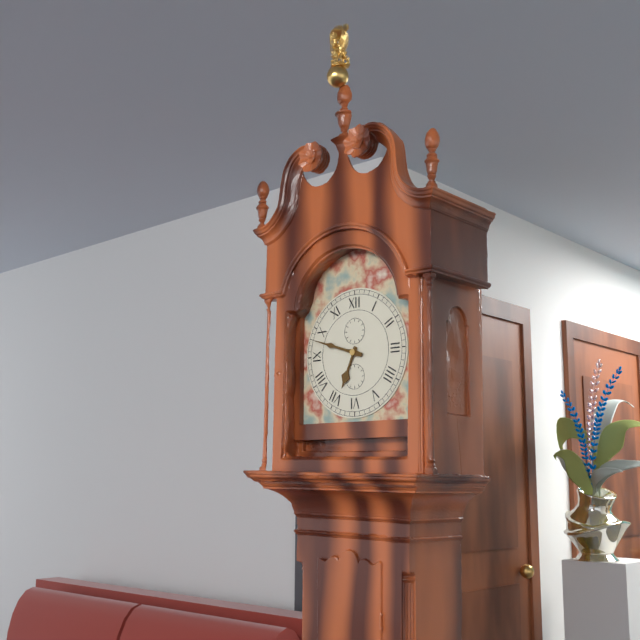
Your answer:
**6:48**
